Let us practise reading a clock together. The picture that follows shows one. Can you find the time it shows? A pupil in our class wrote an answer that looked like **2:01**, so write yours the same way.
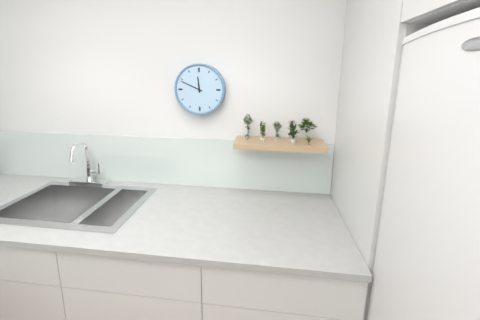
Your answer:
**11:49**
